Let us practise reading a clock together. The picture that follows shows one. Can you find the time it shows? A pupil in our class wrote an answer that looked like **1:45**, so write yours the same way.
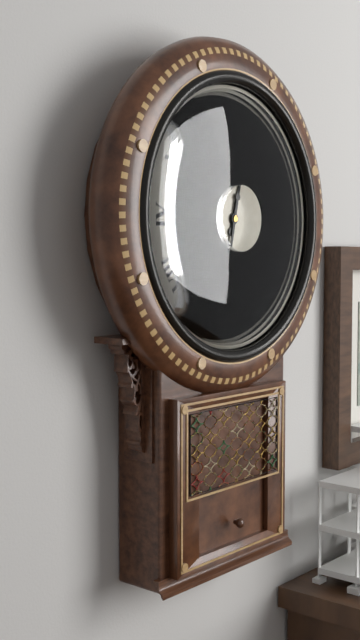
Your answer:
**12:32**
